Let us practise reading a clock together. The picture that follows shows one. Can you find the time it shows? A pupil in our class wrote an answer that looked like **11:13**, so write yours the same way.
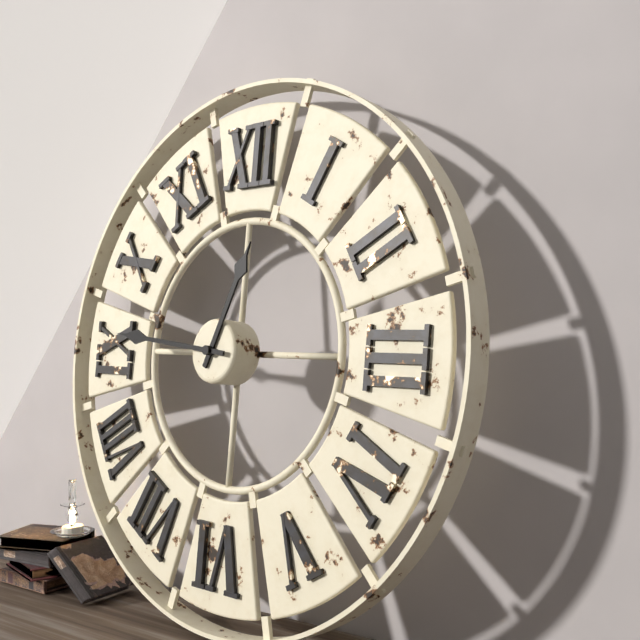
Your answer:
**12:46**
